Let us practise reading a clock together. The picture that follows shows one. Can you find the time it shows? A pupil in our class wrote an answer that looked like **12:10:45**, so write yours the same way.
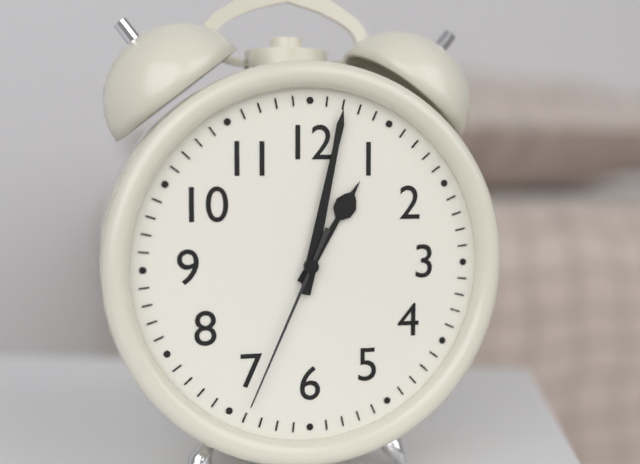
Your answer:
**1:02:34**
